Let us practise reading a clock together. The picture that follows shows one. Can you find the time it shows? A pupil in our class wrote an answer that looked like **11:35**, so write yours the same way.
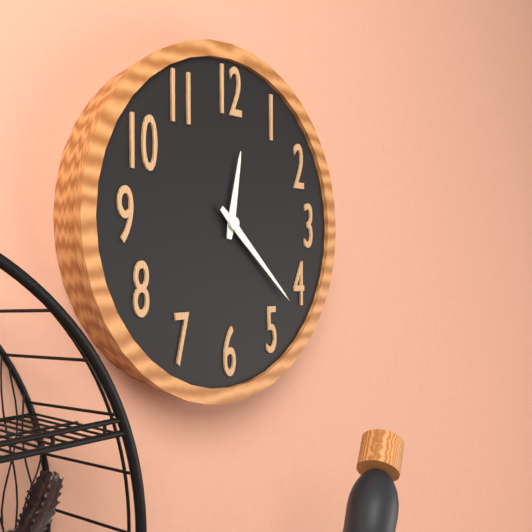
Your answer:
**12:22**
